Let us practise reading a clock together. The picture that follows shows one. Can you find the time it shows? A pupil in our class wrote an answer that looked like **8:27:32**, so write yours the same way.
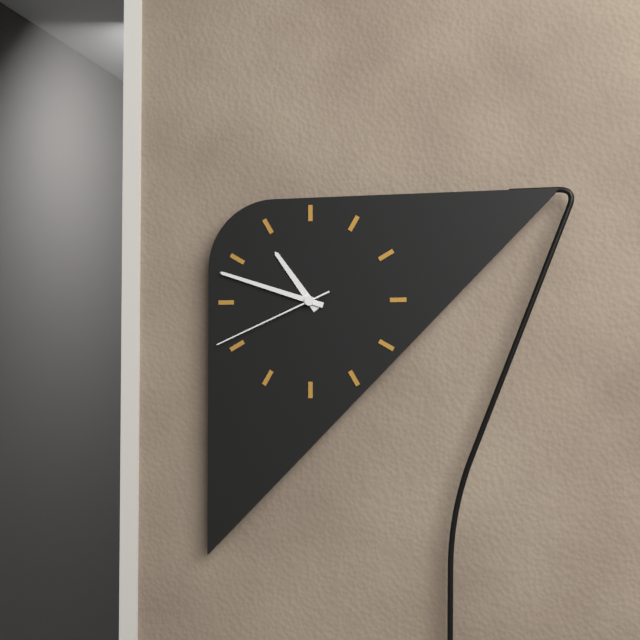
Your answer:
**10:48:41**
